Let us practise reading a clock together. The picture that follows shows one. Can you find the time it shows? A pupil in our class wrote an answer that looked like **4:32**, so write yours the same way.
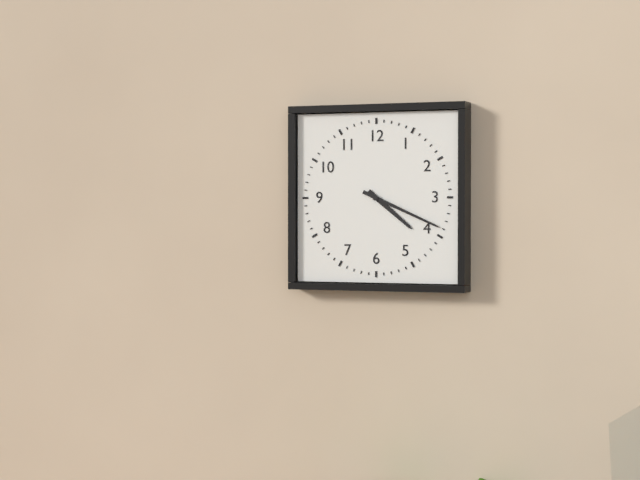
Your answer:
**4:19**
